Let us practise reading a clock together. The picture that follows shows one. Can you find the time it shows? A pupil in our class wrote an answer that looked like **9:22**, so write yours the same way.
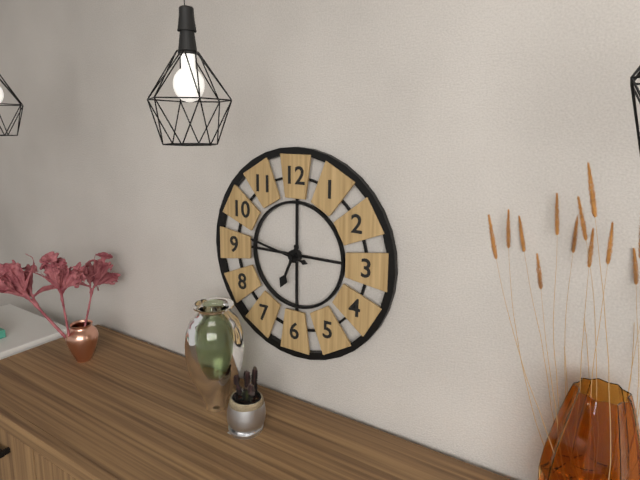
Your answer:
**6:47**
